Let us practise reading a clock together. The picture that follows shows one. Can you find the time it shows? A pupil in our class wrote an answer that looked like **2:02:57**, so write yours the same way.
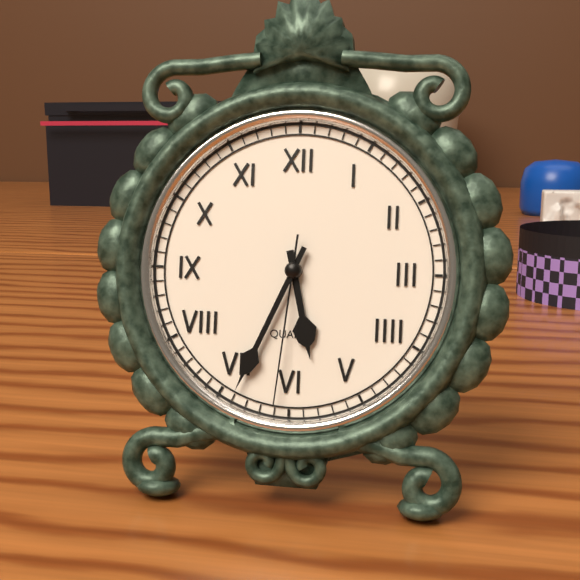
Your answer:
**5:34:31**
